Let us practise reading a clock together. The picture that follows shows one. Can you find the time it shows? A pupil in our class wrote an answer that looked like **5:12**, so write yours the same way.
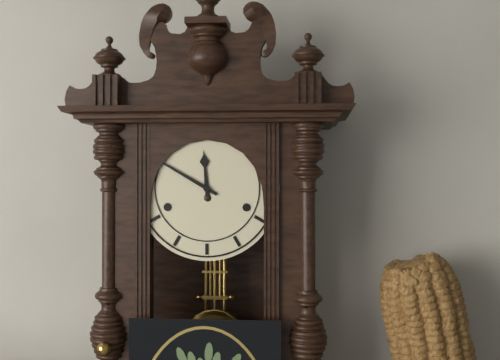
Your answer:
**11:50**
